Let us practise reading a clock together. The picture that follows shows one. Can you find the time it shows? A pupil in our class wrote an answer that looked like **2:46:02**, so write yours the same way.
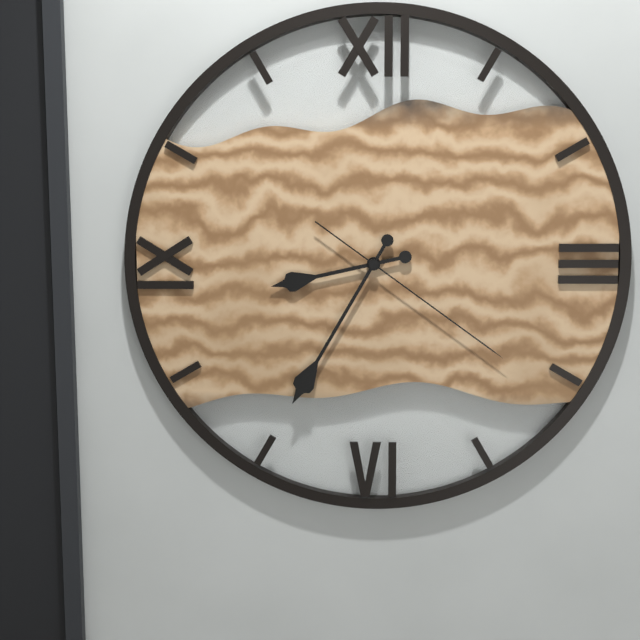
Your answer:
**8:35:21**
